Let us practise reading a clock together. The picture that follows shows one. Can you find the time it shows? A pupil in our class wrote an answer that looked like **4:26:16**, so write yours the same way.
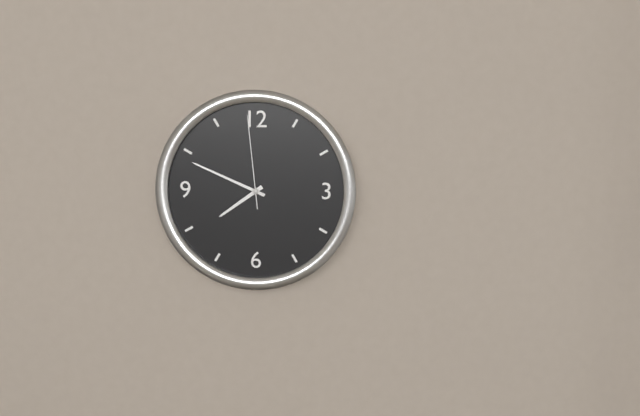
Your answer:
**7:49:59**
